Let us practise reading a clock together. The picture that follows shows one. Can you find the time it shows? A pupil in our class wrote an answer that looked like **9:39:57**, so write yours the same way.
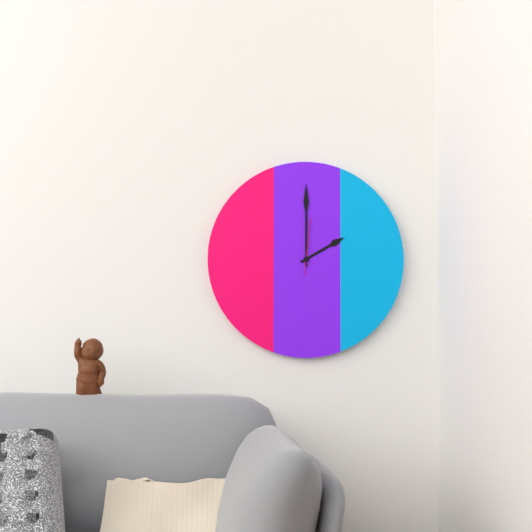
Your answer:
**2:00:01**
